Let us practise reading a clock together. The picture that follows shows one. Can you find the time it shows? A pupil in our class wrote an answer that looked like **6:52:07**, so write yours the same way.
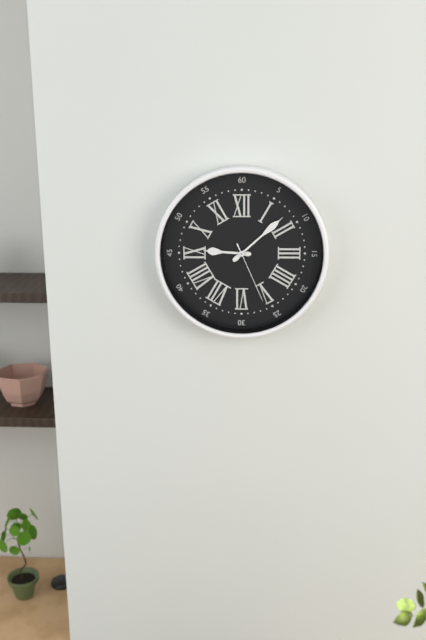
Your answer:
**9:08:26**
